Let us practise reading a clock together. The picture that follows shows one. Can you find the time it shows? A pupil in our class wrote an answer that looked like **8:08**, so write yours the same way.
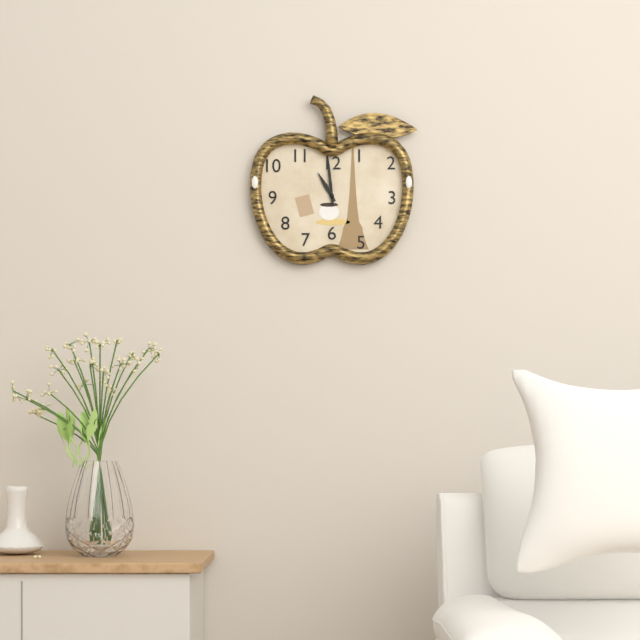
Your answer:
**10:59**
